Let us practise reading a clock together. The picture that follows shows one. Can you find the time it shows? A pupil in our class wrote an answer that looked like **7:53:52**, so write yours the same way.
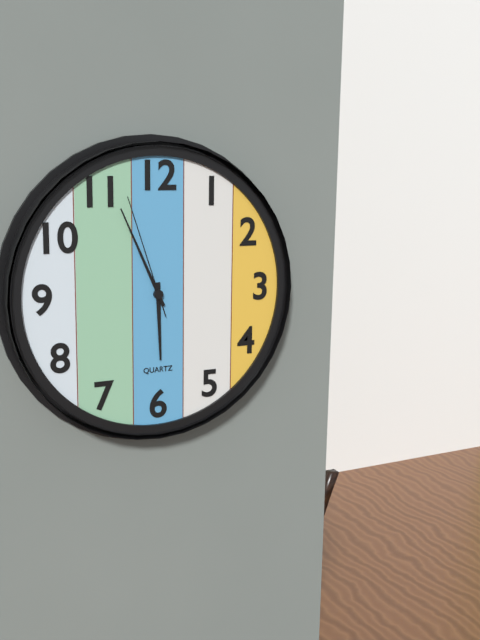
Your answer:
**5:56:57**
